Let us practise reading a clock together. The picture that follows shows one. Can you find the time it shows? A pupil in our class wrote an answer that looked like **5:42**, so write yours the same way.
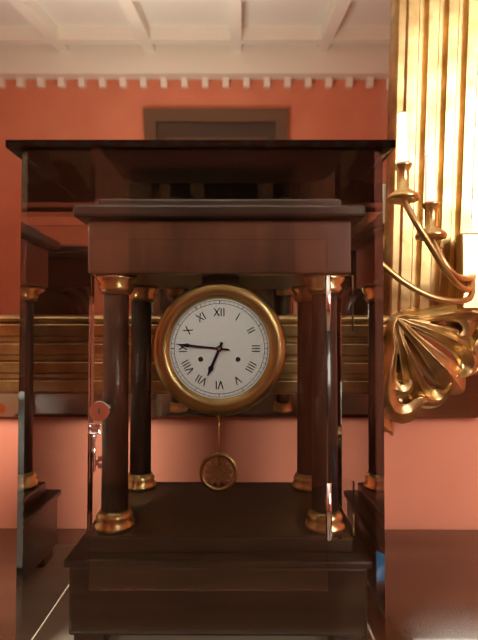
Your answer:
**6:46**
